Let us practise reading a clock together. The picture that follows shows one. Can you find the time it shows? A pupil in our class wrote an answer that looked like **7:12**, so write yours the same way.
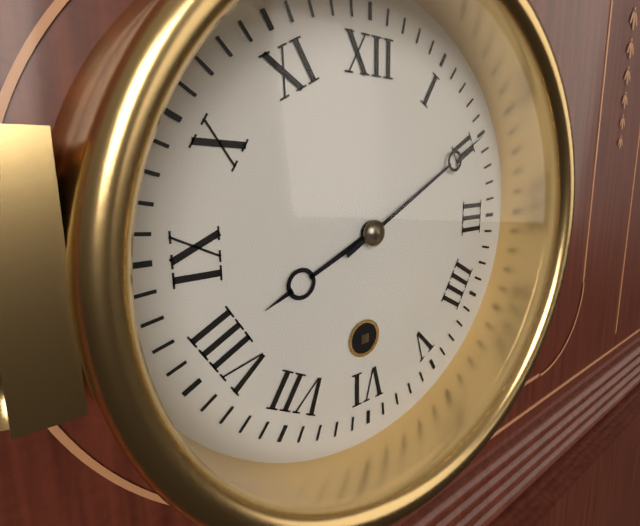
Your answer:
**8:10**
